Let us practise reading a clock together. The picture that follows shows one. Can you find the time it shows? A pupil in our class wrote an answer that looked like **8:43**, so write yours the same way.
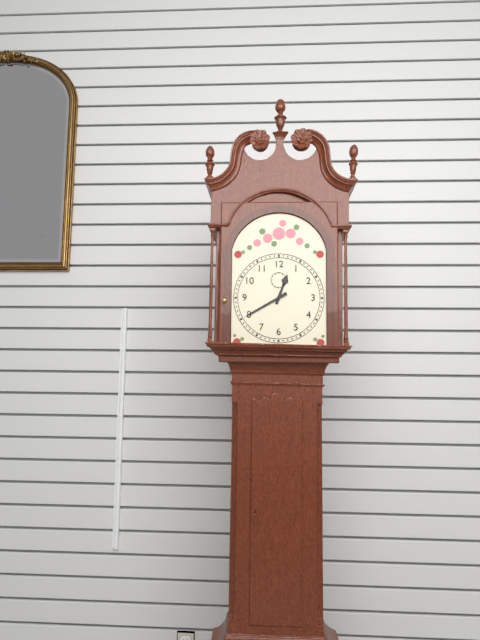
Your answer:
**12:40**
